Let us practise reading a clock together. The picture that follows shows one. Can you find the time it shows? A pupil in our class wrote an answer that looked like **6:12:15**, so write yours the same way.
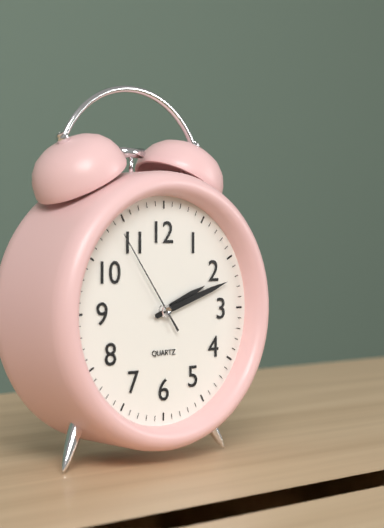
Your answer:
**2:12:54**
